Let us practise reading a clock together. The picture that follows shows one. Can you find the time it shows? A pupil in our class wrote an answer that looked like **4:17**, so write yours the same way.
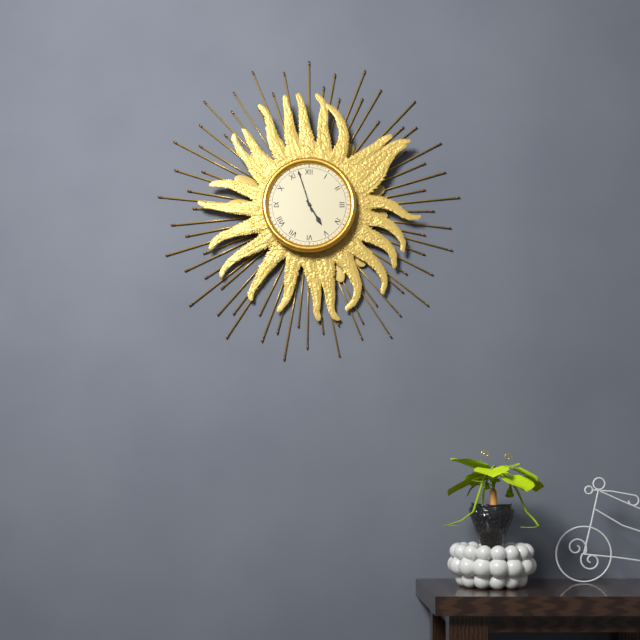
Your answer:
**4:57**
